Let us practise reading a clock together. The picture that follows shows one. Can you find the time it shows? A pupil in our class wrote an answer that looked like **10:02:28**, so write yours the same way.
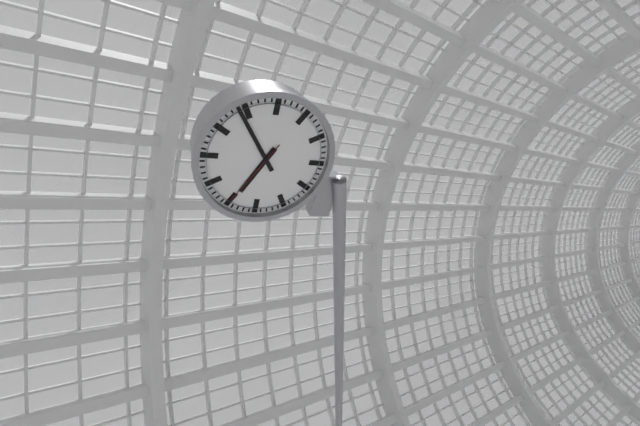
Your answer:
**6:54:35**
